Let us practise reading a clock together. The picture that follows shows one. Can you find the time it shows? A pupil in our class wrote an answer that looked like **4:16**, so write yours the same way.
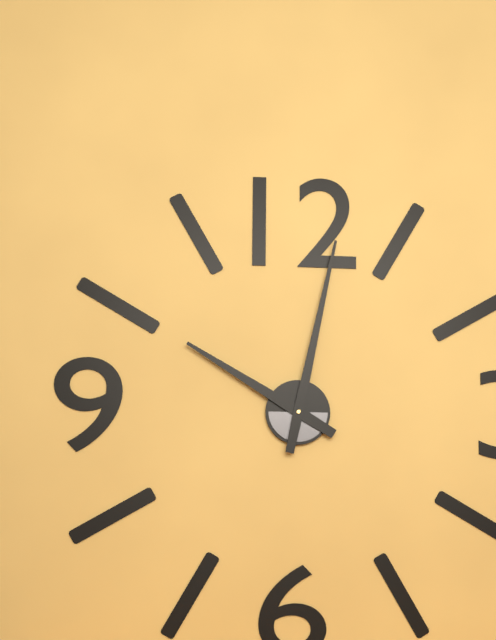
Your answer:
**10:02**
